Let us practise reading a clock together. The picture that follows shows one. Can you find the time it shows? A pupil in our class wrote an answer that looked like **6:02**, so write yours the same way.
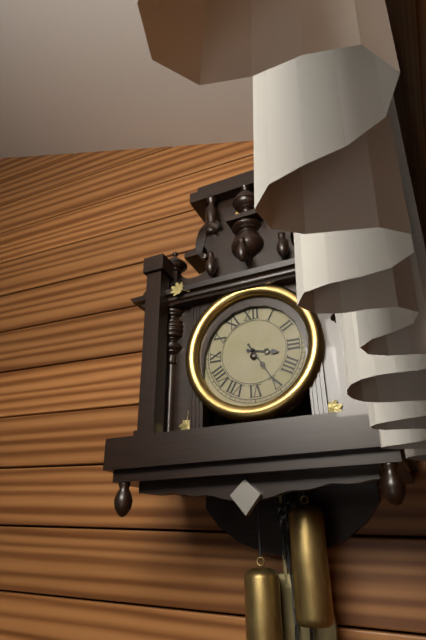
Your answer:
**3:25**
